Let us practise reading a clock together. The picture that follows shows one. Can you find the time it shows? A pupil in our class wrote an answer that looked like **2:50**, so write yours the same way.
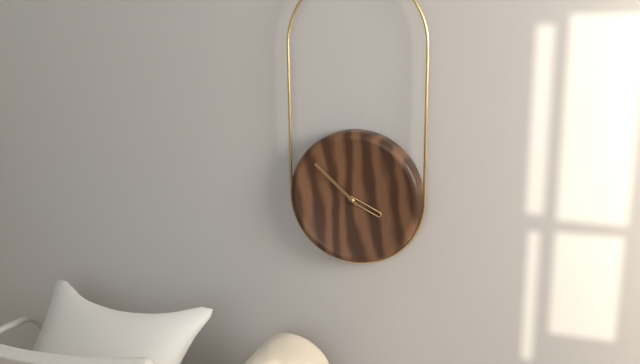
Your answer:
**3:52**
